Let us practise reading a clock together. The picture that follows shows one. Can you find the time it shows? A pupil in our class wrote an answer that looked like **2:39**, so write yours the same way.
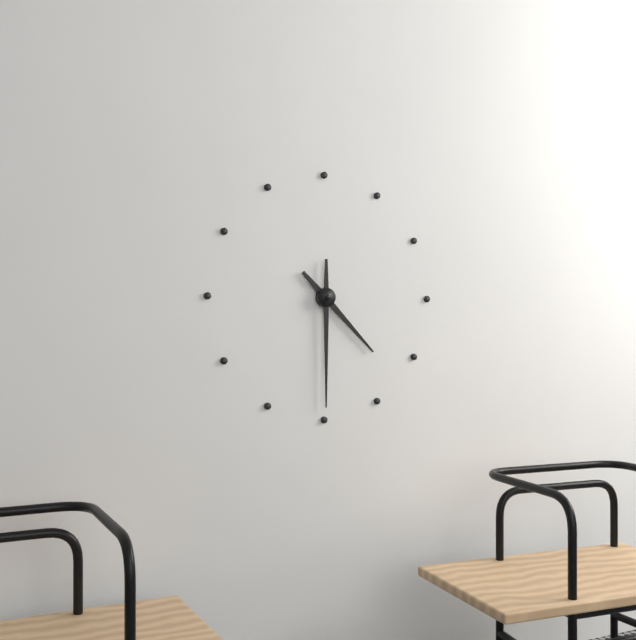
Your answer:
**4:30**
